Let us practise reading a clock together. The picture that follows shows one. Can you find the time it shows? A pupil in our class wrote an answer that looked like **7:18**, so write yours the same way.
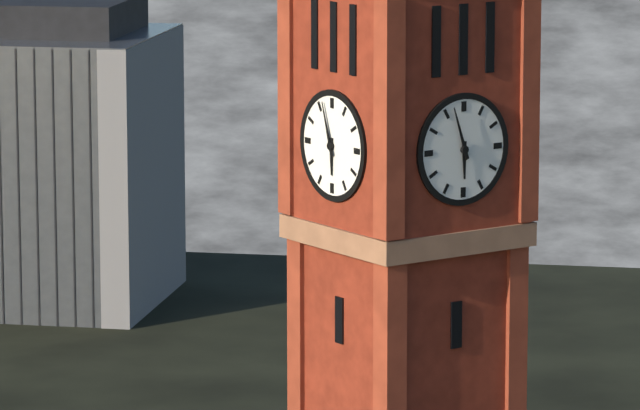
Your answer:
**5:57**
